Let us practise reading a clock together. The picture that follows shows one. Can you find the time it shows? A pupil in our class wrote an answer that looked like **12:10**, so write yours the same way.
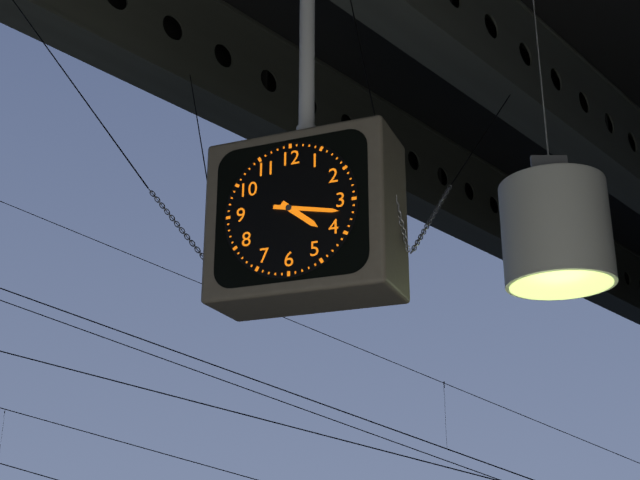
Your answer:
**4:17**
